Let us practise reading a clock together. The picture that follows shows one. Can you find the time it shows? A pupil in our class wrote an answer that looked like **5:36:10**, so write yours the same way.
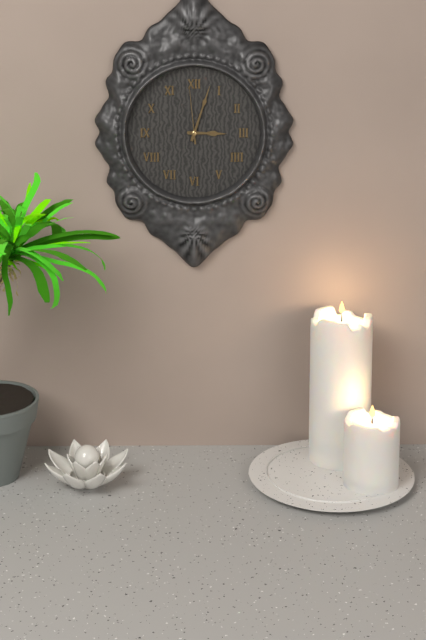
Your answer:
**3:03:59**
